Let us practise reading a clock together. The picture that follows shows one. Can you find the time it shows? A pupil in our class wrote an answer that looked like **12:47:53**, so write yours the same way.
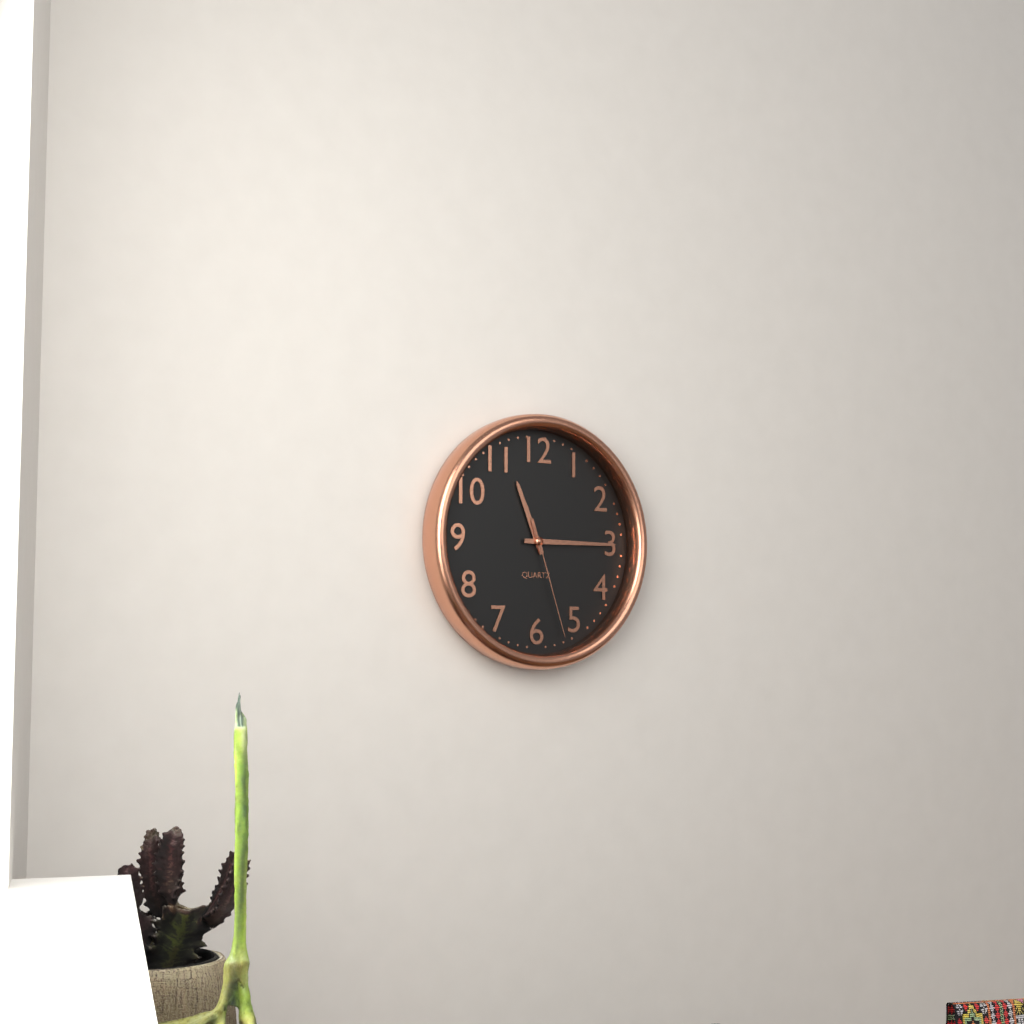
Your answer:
**11:15:27**
